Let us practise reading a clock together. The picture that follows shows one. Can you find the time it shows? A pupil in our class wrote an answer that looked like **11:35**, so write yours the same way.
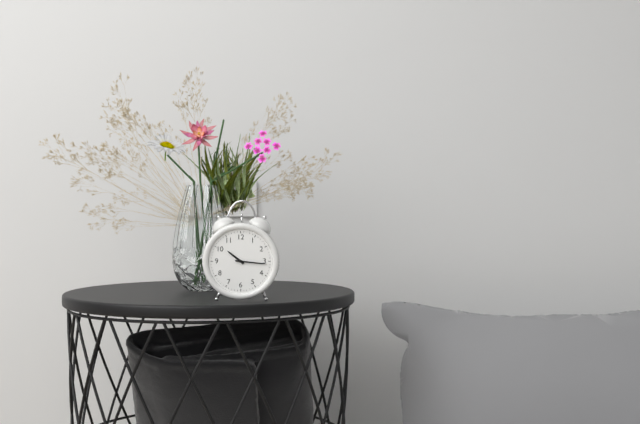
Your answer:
**10:16**
